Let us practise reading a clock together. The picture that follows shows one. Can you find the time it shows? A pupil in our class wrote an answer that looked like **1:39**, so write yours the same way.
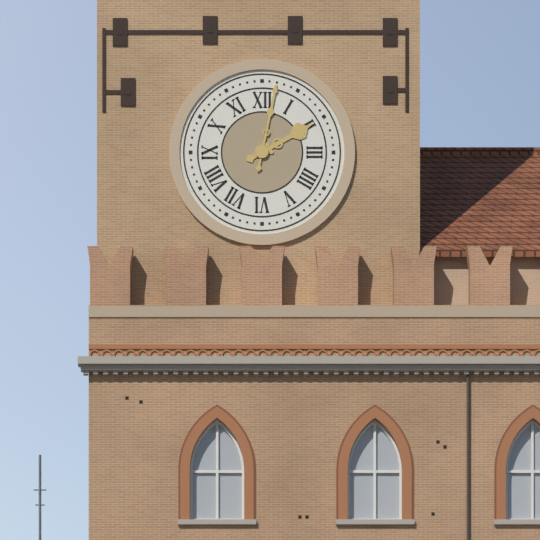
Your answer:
**2:02**
